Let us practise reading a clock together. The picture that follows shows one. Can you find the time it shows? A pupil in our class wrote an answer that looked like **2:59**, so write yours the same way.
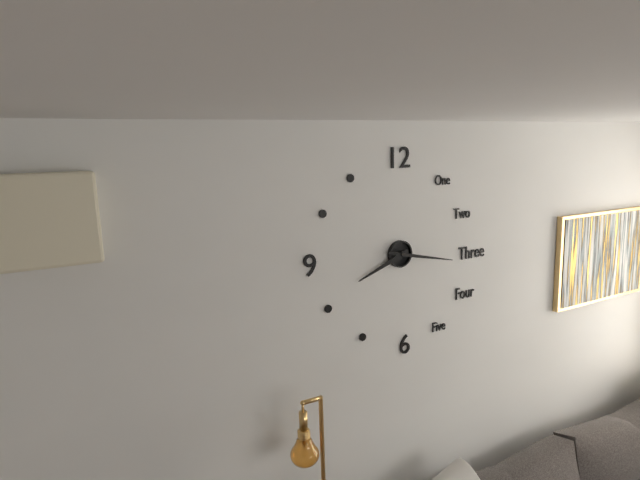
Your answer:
**8:17**
